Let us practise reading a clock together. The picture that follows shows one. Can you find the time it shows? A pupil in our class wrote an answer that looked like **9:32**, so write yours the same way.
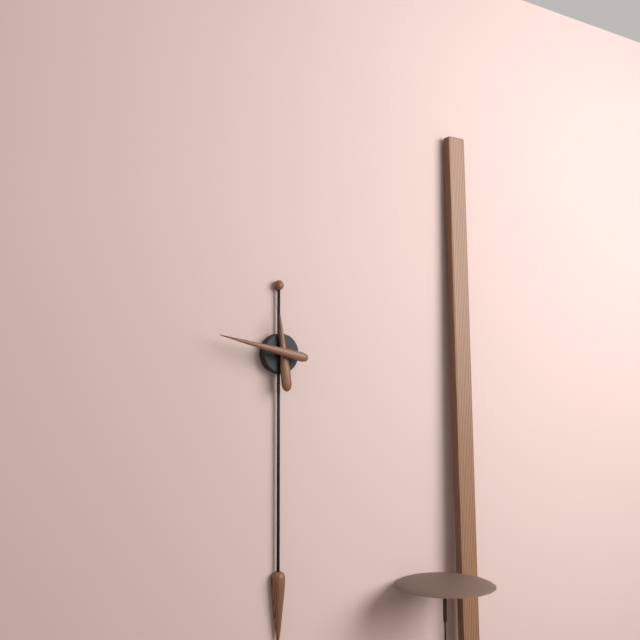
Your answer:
**11:47**
